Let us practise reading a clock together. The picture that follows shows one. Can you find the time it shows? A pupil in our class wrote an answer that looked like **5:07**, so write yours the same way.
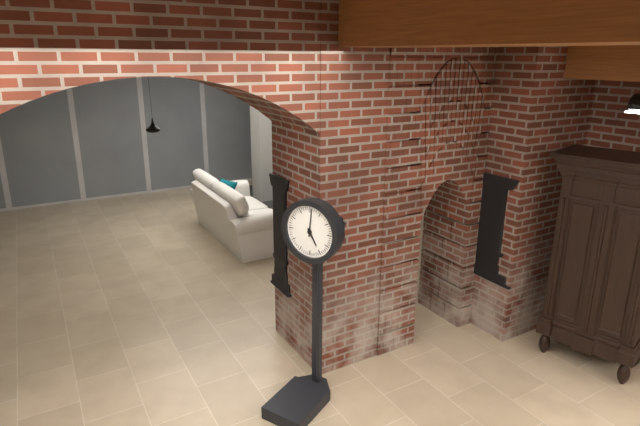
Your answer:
**5:01**
